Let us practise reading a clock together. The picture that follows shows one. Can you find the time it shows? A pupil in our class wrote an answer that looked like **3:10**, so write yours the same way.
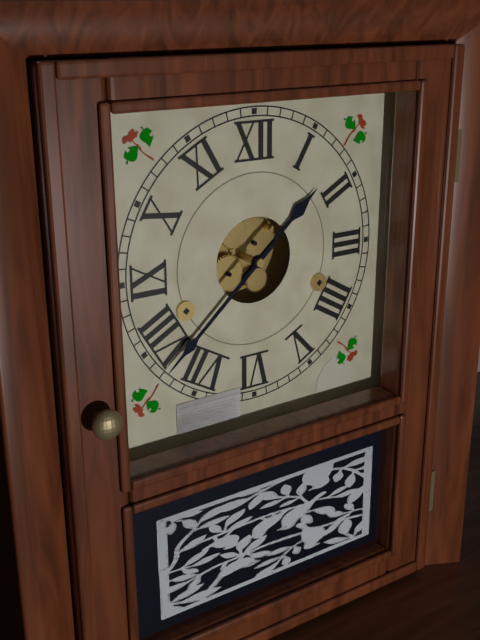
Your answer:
**1:38**
